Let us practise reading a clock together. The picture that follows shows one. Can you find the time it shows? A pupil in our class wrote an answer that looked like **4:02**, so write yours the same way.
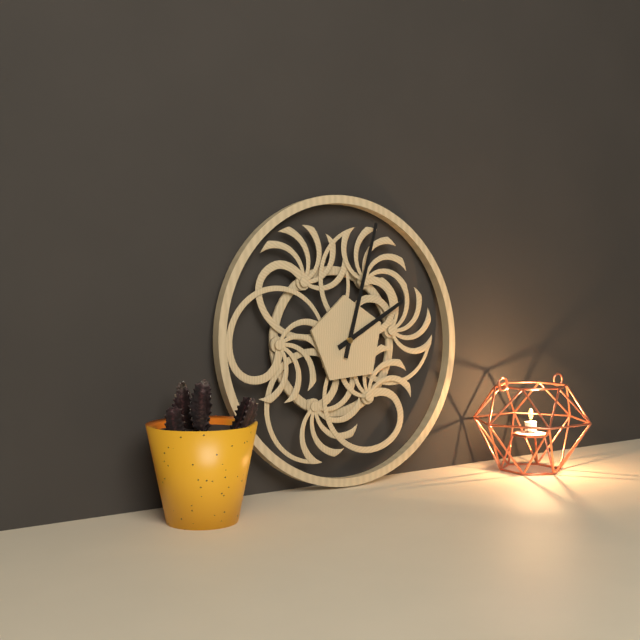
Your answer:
**2:03**
